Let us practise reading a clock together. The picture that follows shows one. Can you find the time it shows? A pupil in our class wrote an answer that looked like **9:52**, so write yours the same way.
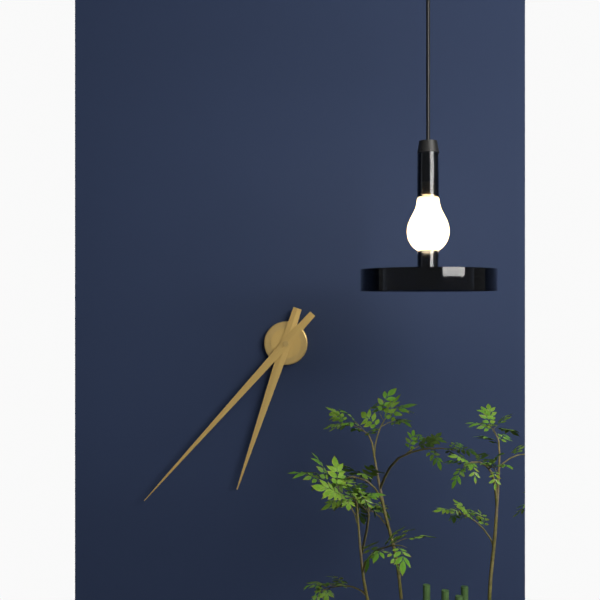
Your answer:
**6:37**
